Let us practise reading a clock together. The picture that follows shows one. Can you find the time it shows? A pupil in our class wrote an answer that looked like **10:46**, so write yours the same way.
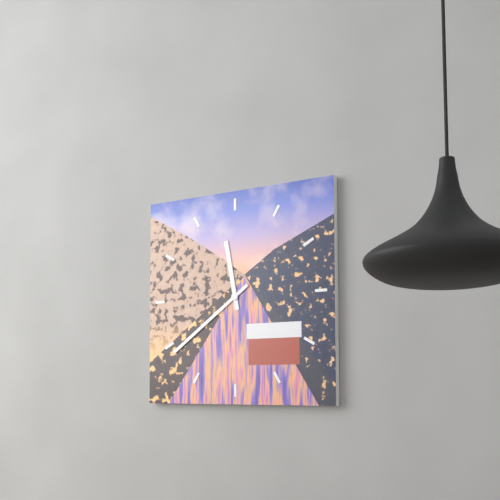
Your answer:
**11:39**
